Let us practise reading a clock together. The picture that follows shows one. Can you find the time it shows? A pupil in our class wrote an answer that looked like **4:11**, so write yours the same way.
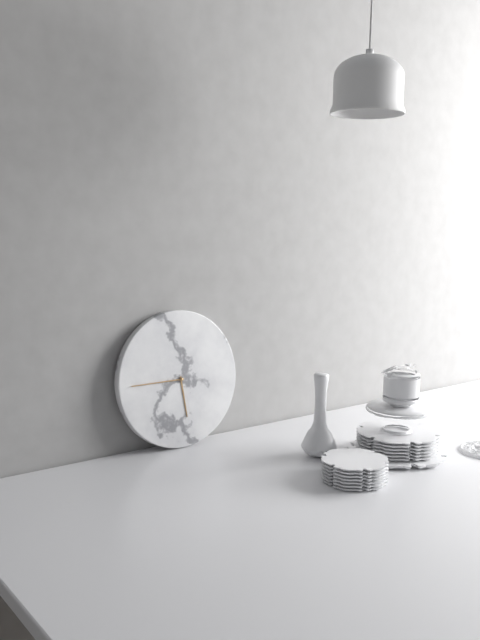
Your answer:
**5:45**
